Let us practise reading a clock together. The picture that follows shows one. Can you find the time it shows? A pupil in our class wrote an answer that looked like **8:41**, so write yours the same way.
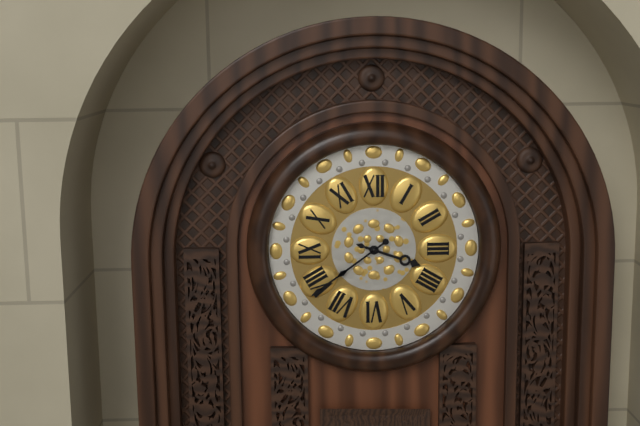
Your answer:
**3:39**
